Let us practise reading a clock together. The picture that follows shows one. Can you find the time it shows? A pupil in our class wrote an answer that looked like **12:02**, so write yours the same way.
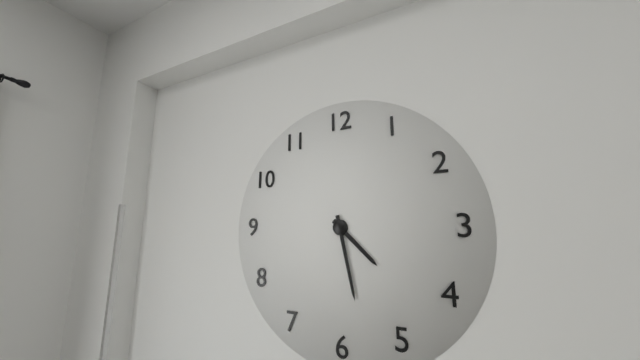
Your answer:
**4:28**
